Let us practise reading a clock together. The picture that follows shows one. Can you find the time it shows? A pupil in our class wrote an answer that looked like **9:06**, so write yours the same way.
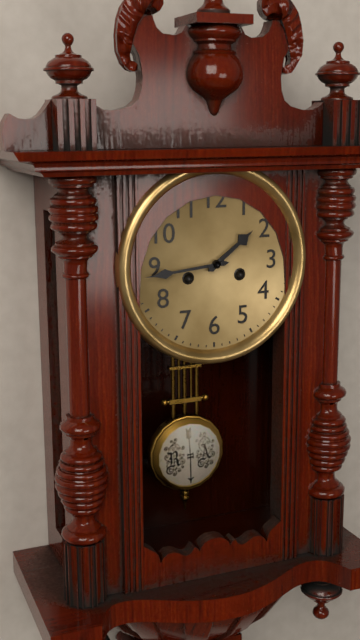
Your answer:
**1:44**
